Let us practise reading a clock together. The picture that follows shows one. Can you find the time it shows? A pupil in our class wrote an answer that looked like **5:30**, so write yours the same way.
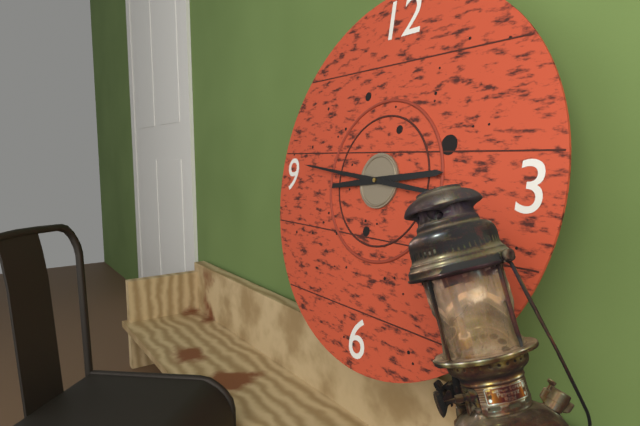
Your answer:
**2:46**
